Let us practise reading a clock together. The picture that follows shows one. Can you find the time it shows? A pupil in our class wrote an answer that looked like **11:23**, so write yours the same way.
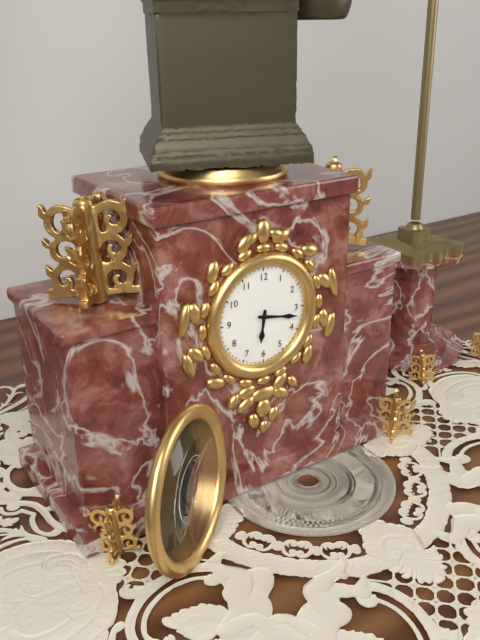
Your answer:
**6:17**
